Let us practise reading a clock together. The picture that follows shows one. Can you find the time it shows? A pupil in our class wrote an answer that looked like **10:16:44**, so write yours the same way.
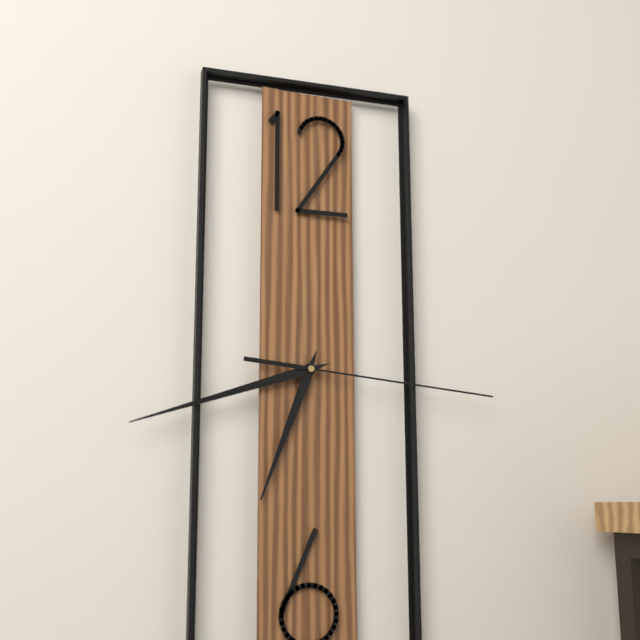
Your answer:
**6:42:16**
